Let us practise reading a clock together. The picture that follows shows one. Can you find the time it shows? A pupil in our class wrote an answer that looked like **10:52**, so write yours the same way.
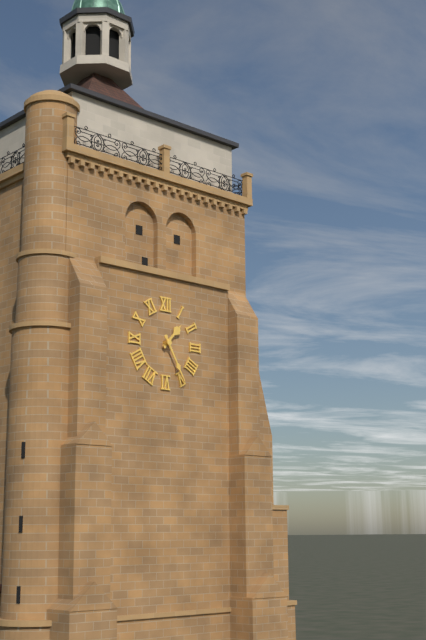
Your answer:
**1:25**
